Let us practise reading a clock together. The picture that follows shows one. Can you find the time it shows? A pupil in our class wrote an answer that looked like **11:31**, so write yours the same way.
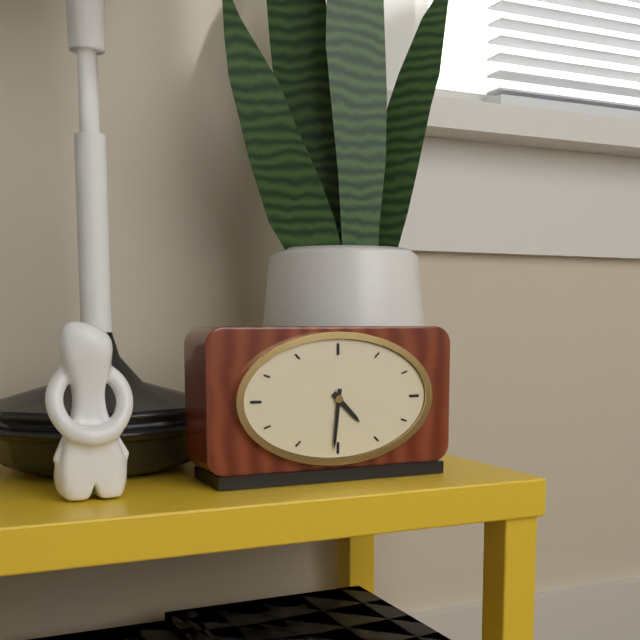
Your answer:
**4:31**
